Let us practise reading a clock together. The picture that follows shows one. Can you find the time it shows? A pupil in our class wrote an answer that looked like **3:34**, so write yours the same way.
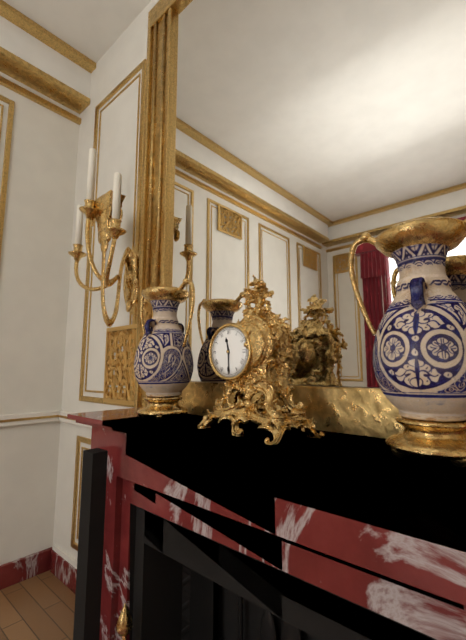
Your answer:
**11:30**
